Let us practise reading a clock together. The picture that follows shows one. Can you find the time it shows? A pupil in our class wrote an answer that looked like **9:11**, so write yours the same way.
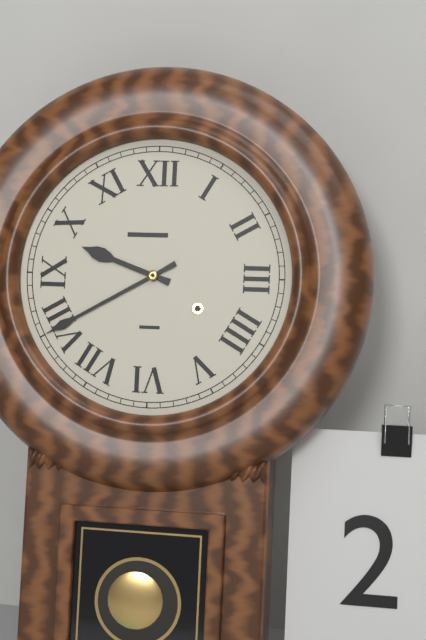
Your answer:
**9:40**
